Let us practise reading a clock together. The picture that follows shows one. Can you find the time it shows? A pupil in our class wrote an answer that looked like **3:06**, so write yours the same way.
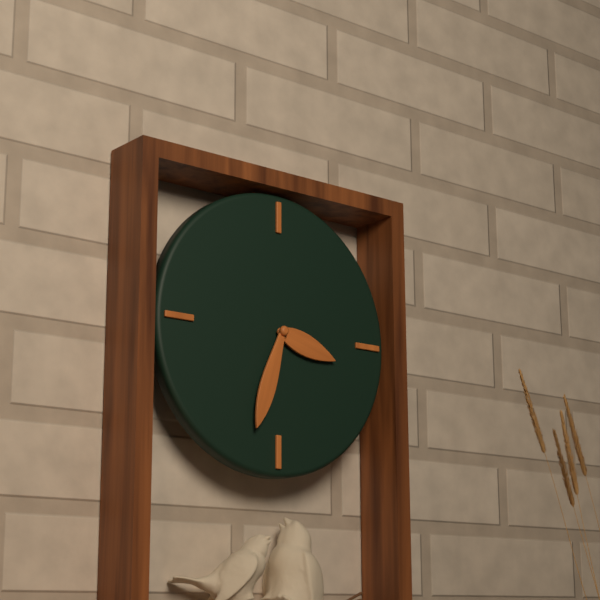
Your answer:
**3:33**
